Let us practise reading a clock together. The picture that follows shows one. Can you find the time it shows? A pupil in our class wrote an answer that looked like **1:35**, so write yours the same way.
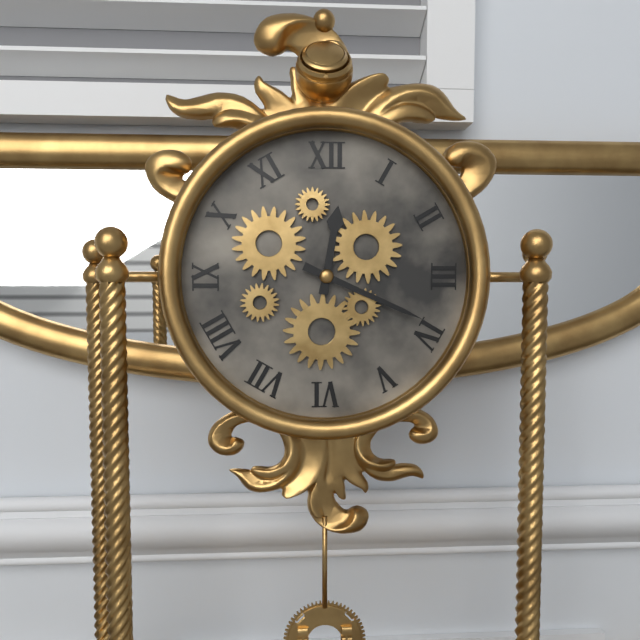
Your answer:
**12:19**
